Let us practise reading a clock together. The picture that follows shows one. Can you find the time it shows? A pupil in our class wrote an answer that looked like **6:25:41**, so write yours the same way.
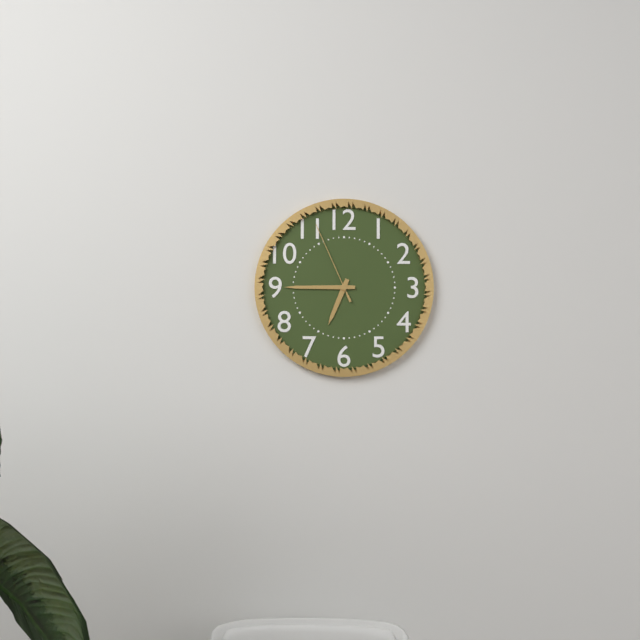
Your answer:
**6:45:56**
